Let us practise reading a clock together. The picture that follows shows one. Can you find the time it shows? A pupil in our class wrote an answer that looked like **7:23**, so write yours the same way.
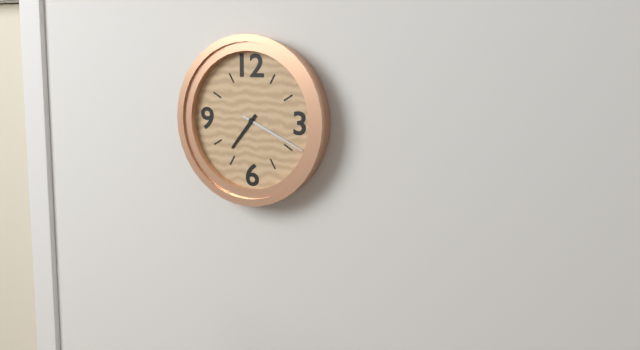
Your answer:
**7:19**
